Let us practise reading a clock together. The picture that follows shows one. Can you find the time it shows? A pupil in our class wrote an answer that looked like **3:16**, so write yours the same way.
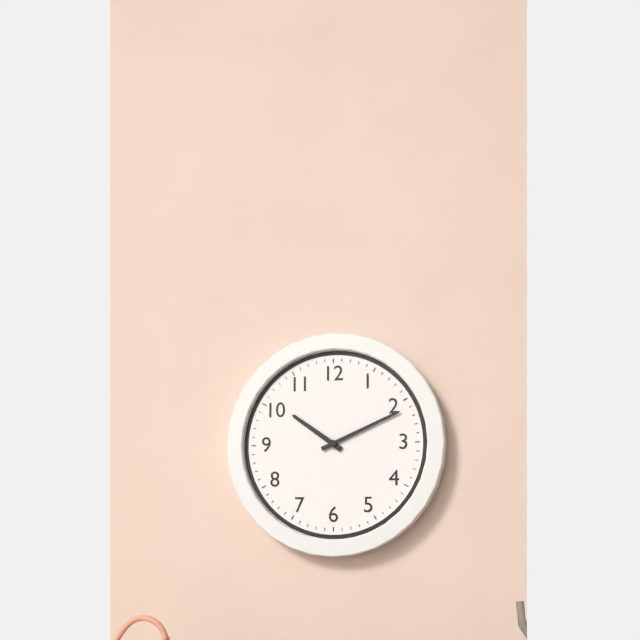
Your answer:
**10:11**
